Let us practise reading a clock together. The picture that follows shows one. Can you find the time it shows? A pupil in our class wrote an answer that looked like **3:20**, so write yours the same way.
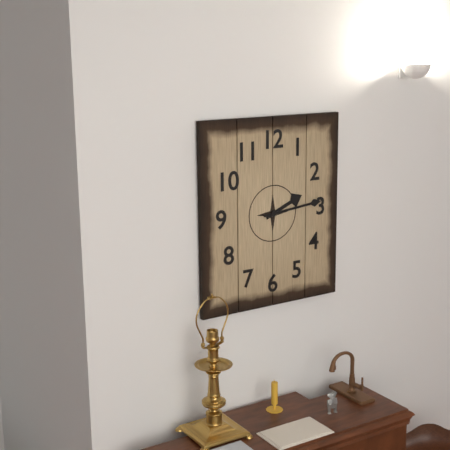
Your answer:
**2:14**
